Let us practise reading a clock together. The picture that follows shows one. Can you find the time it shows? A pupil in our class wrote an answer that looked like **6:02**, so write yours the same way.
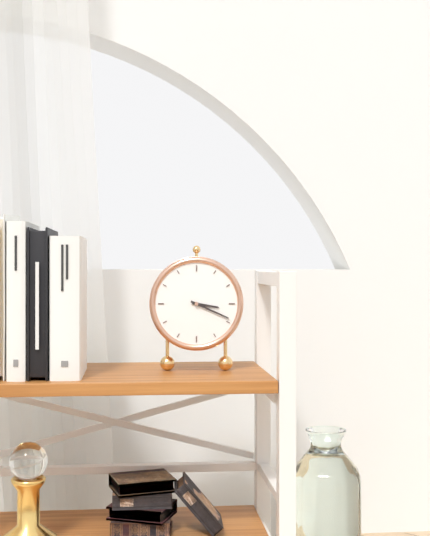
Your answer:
**3:19**
